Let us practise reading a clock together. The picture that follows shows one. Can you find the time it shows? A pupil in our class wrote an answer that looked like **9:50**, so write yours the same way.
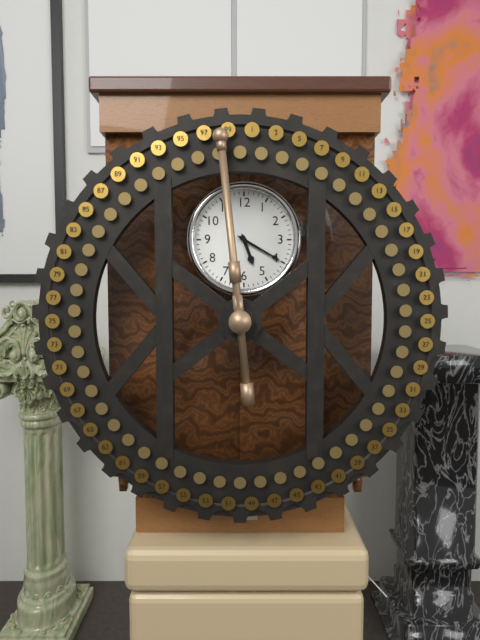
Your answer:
**5:20**
